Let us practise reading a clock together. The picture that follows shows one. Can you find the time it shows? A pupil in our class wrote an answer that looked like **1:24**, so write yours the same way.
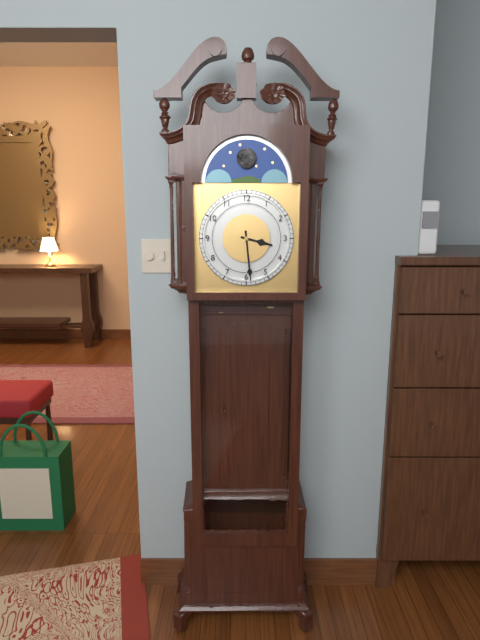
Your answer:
**3:29**
